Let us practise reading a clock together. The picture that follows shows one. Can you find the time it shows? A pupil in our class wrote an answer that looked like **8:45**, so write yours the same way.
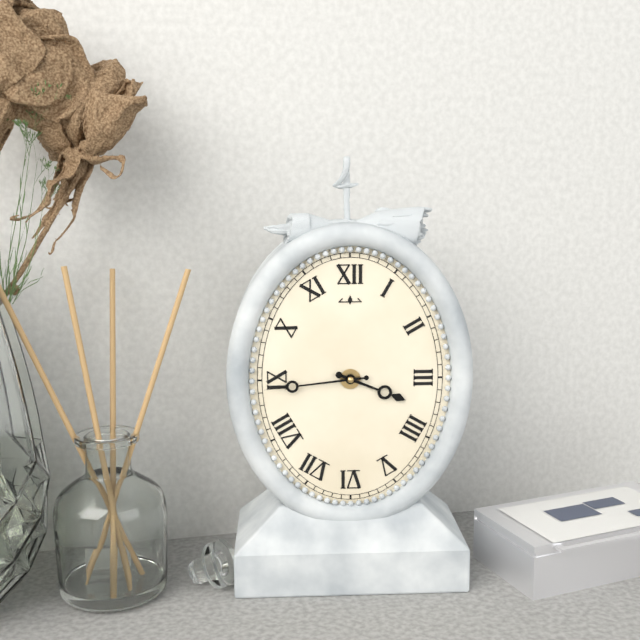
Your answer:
**3:44**
